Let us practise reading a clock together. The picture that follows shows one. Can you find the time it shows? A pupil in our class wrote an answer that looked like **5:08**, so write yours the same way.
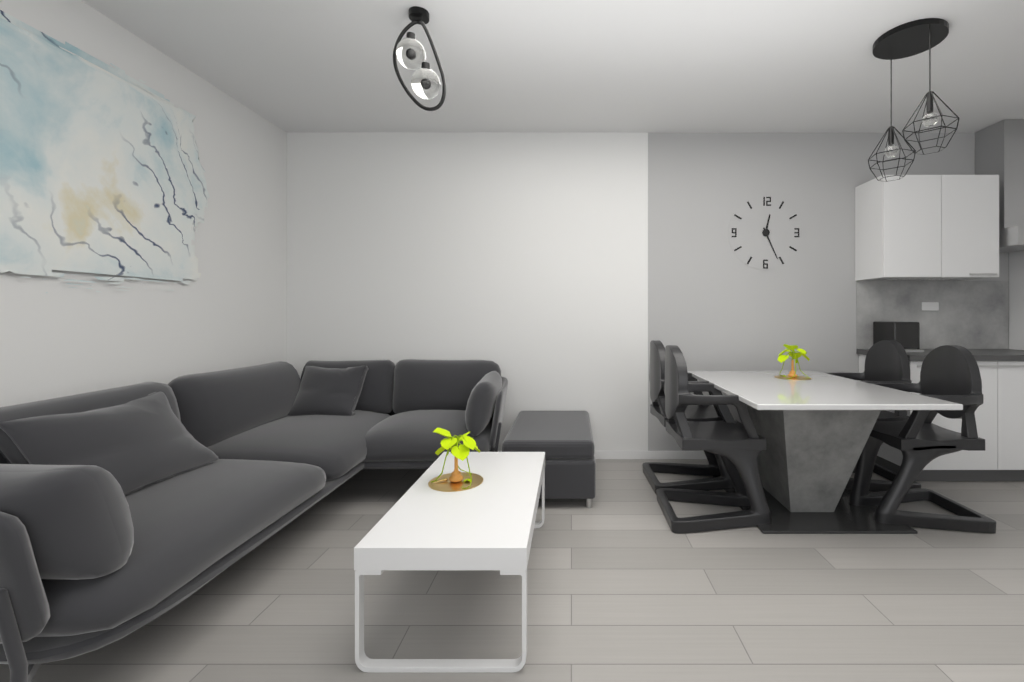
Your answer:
**12:26**
